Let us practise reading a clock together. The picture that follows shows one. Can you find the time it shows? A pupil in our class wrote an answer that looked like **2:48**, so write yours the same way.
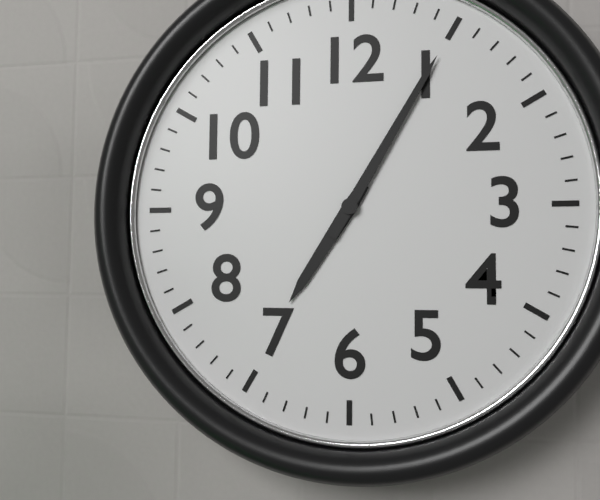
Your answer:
**7:05**
